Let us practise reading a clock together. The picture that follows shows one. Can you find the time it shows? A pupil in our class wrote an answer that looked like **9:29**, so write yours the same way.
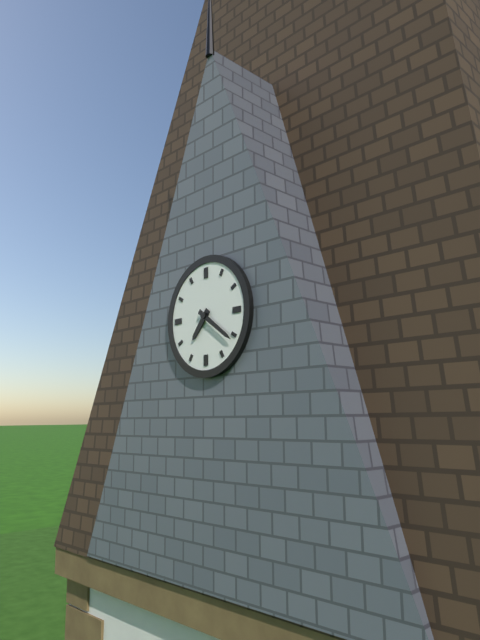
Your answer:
**7:21**
